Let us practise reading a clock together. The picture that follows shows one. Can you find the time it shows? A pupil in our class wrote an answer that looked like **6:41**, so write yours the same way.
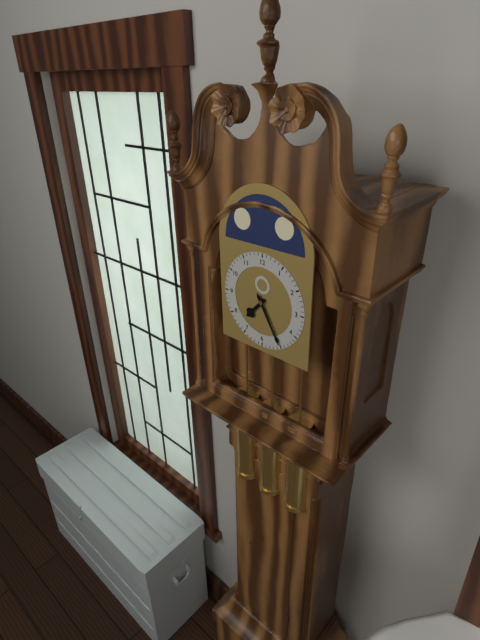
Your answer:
**7:25**
